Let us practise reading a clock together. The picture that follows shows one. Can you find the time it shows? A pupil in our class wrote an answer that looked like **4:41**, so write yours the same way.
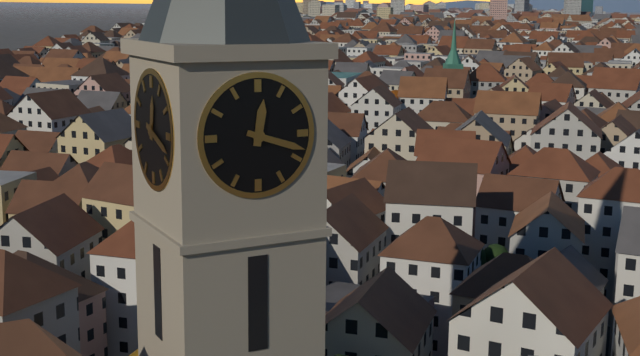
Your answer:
**12:18**
